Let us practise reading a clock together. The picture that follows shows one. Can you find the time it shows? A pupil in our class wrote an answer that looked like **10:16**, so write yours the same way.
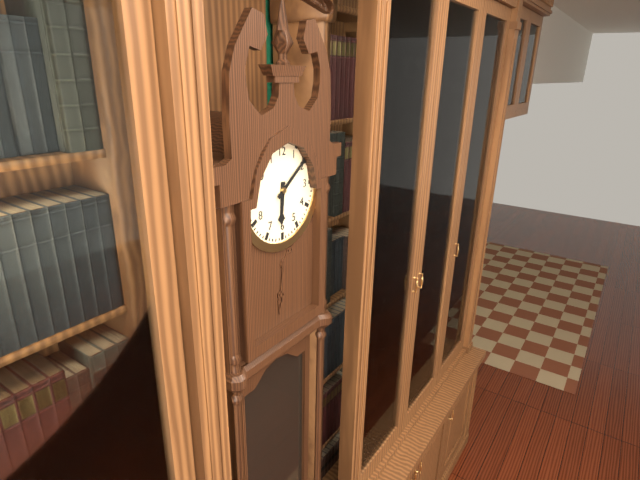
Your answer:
**6:09**
